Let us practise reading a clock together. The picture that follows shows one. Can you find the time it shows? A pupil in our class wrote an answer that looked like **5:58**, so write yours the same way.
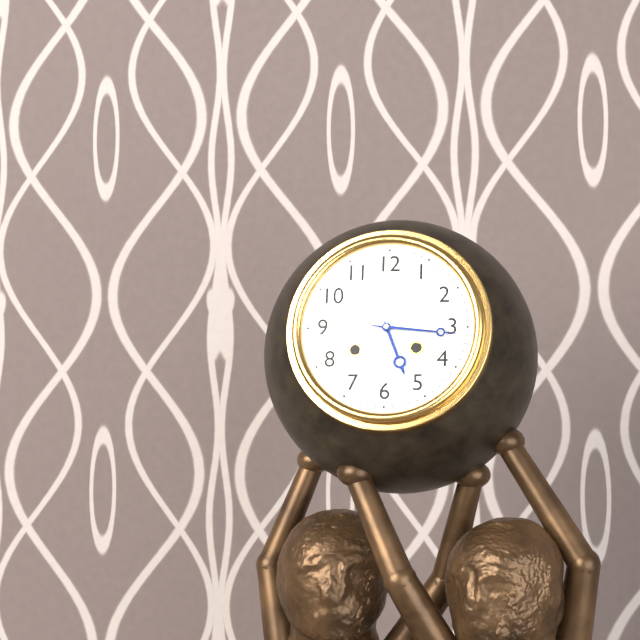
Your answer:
**5:16**
